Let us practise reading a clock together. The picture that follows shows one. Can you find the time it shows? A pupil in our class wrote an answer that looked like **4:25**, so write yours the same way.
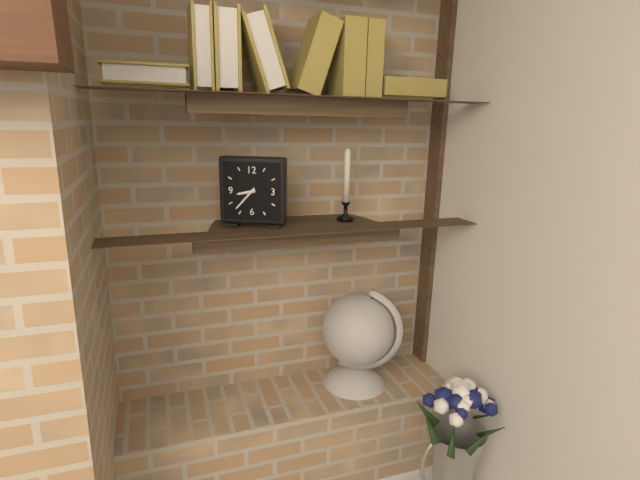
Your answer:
**8:37**
